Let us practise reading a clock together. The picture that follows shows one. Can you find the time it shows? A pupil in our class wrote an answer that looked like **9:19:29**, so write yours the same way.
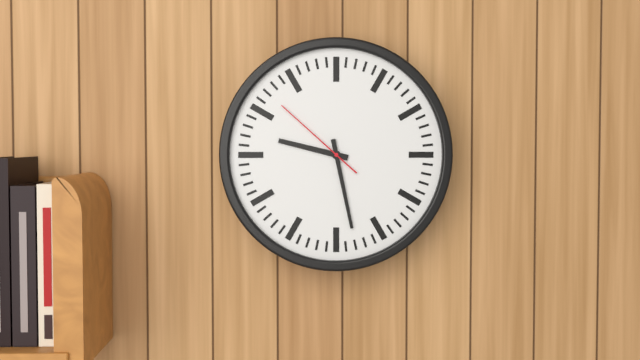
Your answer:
**9:28:52**
